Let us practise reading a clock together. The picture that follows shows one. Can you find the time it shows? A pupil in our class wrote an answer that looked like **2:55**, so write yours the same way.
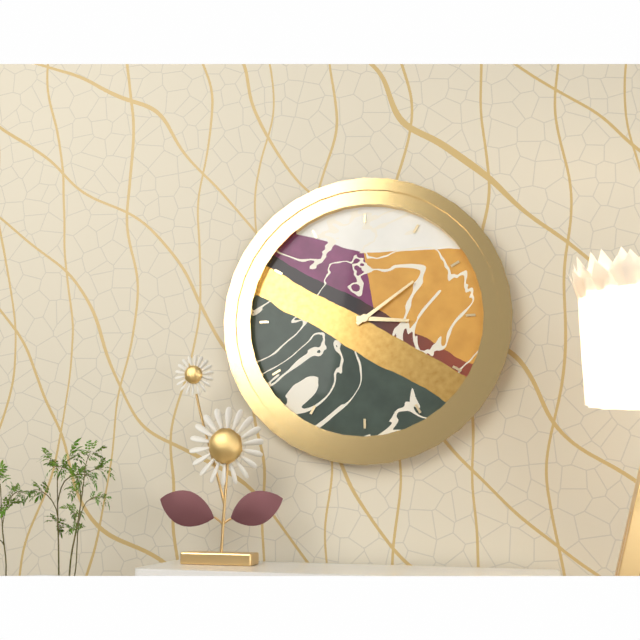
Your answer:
**3:09**
